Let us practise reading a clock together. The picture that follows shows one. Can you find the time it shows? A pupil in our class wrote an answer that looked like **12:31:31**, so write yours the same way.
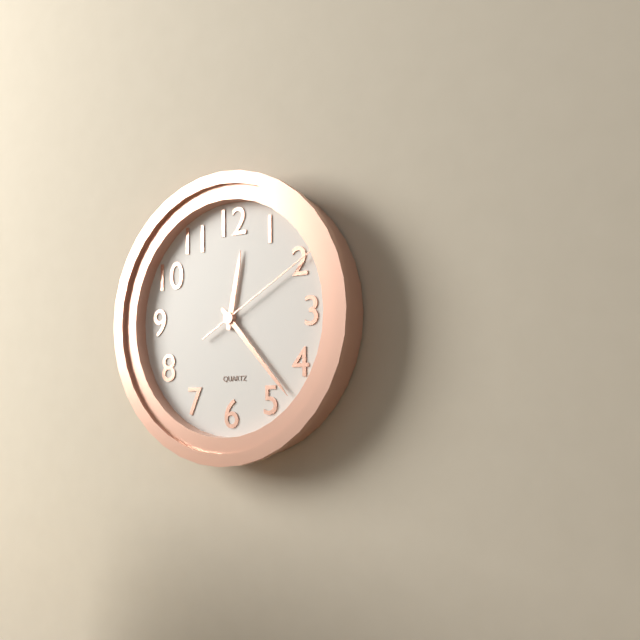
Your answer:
**12:23:10**
